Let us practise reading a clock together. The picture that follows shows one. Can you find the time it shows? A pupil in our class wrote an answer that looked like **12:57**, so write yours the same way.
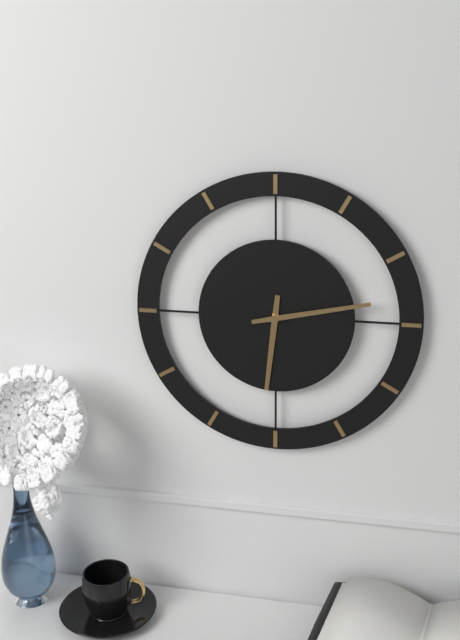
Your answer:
**6:13**
